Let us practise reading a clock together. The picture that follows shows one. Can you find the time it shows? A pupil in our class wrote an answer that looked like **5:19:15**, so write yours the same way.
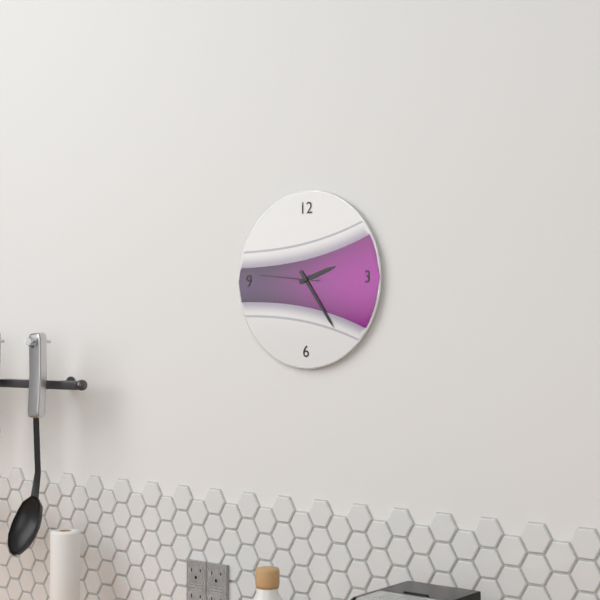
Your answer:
**2:24:46**
